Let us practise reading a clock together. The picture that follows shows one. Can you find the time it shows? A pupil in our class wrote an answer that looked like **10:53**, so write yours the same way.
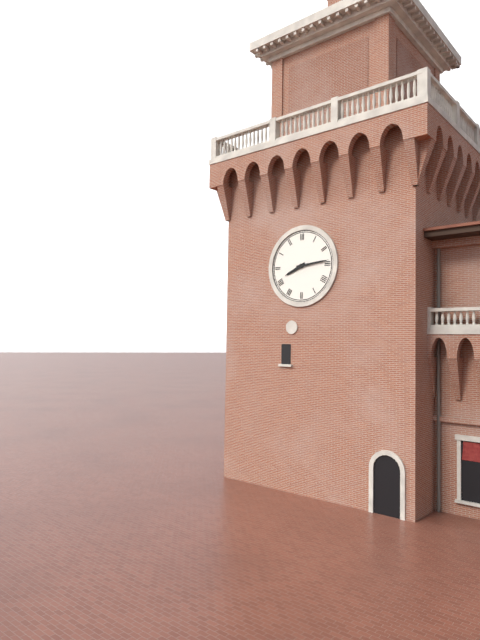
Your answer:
**8:14**
